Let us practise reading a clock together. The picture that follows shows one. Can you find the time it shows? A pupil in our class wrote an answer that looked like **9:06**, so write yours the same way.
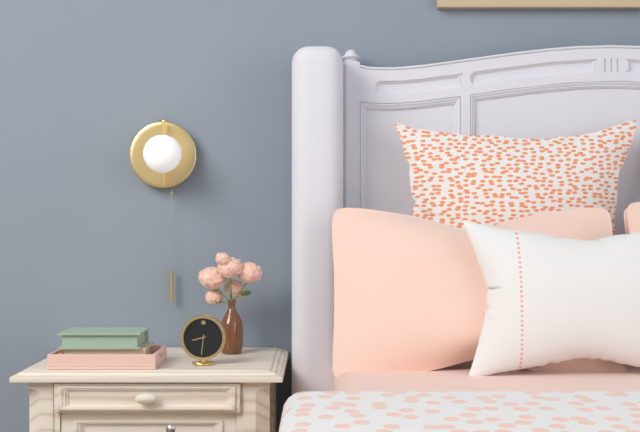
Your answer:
**8:31**
